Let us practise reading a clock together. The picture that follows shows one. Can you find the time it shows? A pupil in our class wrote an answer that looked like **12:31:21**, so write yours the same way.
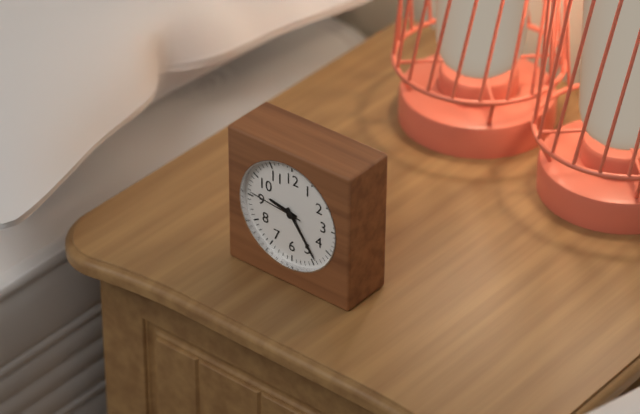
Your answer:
**9:24:46**
